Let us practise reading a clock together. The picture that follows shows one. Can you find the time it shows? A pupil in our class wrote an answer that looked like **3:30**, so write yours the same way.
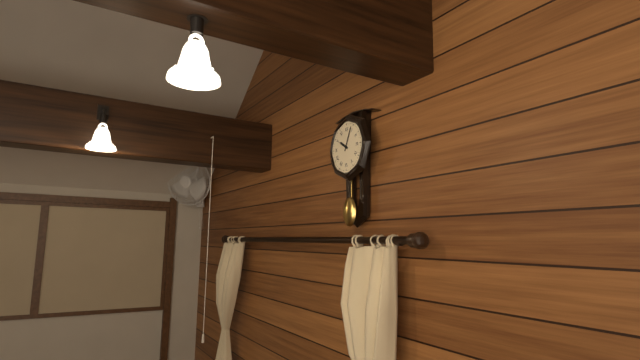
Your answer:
**10:04**
